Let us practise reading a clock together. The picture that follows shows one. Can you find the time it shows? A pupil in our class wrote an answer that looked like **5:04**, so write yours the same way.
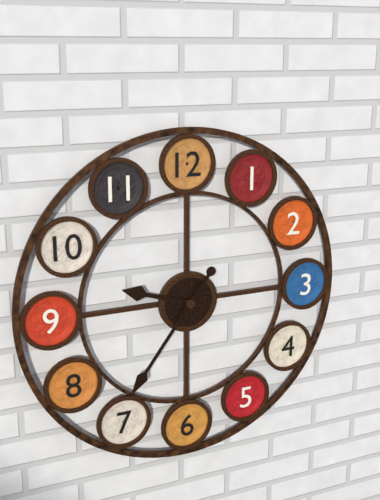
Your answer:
**9:36**
